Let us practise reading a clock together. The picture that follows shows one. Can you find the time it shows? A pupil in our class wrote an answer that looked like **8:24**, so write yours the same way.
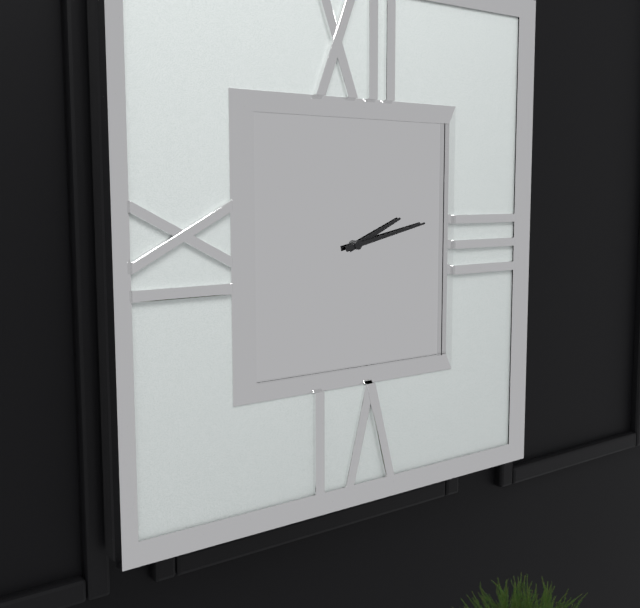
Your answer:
**2:13**
